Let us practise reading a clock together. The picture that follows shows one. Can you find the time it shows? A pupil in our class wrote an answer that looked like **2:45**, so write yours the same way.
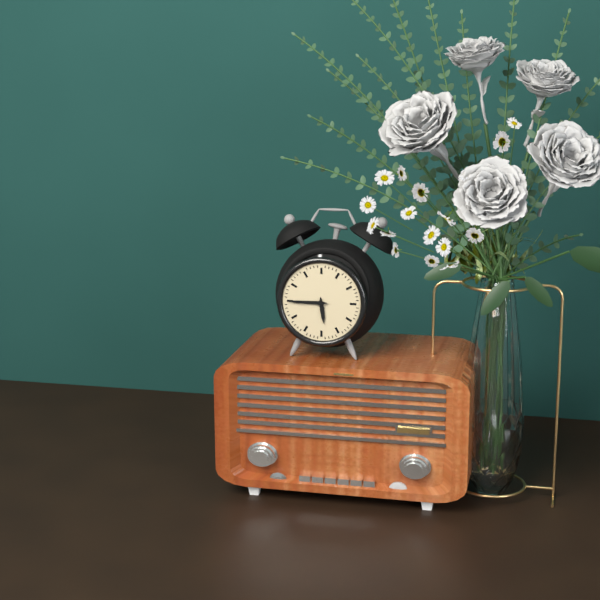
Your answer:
**5:45**
